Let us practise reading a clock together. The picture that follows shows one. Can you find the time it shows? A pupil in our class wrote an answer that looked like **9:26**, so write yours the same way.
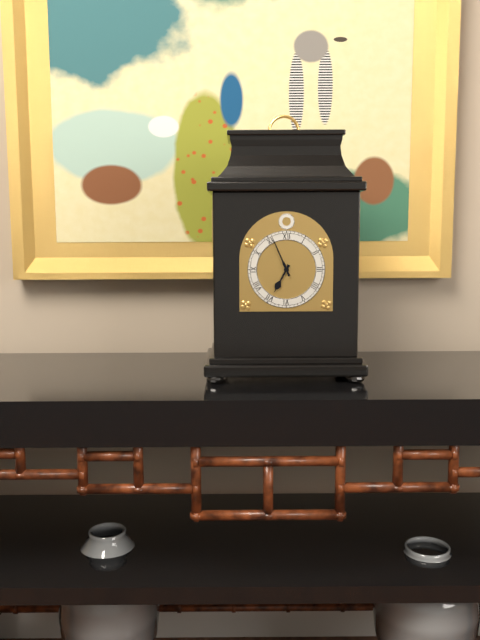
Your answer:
**6:56**
